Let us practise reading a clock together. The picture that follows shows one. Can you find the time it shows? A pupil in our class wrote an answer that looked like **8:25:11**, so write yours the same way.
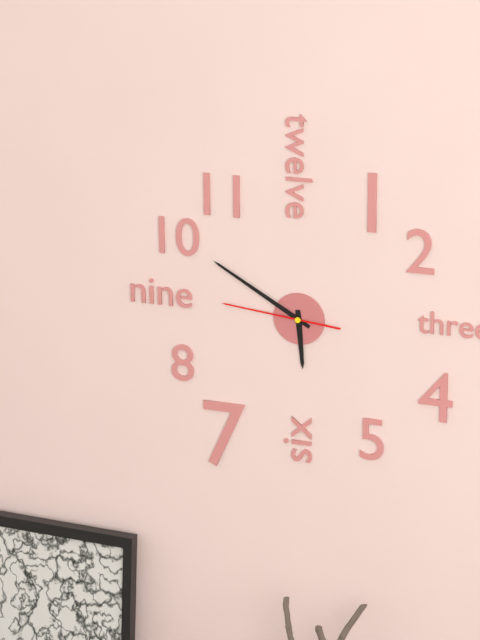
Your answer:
**5:50:46**
